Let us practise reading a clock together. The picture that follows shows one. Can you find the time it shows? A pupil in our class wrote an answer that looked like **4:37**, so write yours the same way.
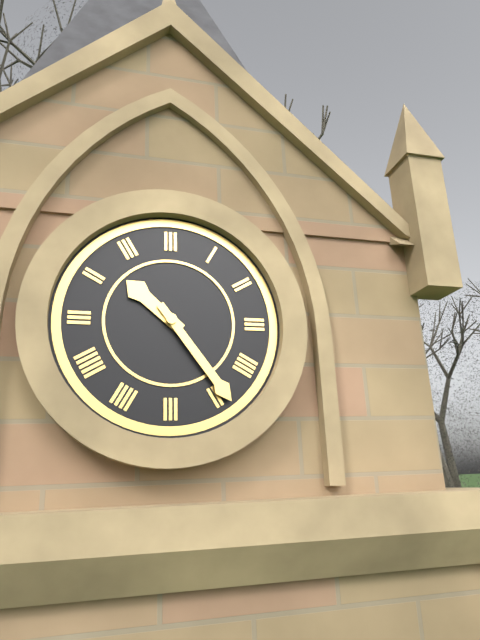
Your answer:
**10:24**
